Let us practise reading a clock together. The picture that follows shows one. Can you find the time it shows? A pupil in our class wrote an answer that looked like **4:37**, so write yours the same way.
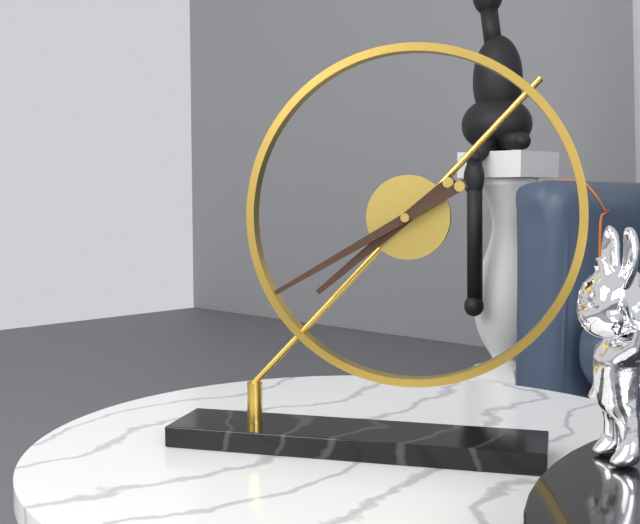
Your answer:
**7:40**
